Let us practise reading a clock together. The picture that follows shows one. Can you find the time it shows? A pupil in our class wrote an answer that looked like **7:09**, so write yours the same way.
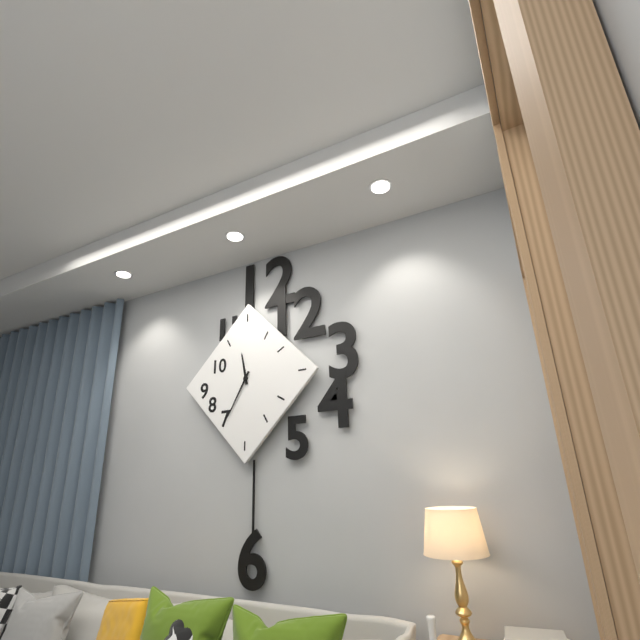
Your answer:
**11:35**
